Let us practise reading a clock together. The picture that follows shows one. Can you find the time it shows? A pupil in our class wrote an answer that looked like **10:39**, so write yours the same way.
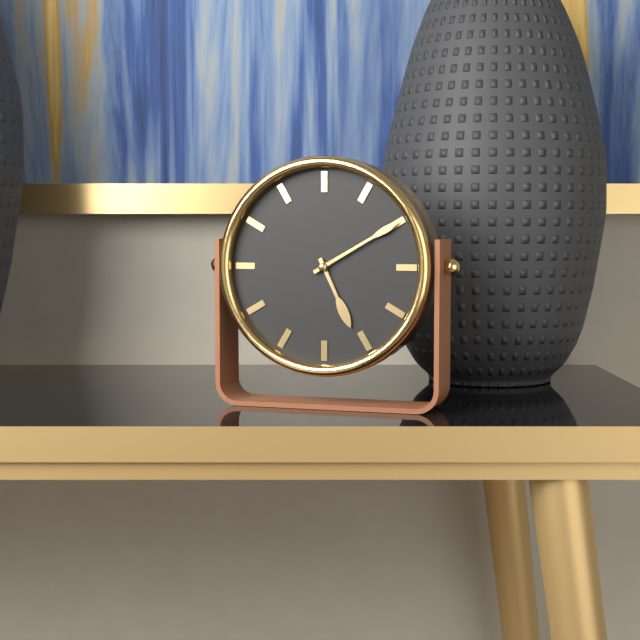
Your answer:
**5:10**
